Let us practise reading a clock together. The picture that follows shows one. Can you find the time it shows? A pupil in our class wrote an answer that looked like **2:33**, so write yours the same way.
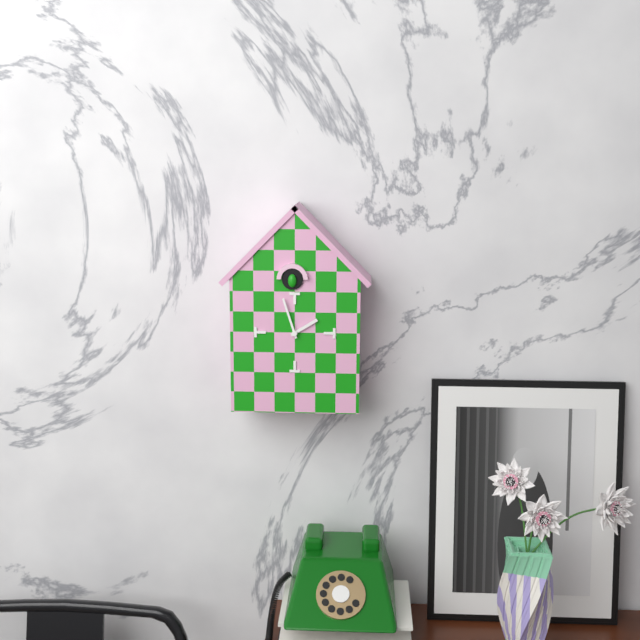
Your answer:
**1:57**
